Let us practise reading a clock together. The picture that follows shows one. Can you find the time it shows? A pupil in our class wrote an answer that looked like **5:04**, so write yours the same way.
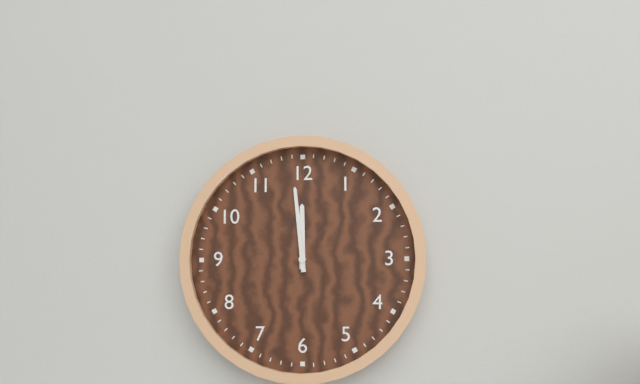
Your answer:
**11:59**
